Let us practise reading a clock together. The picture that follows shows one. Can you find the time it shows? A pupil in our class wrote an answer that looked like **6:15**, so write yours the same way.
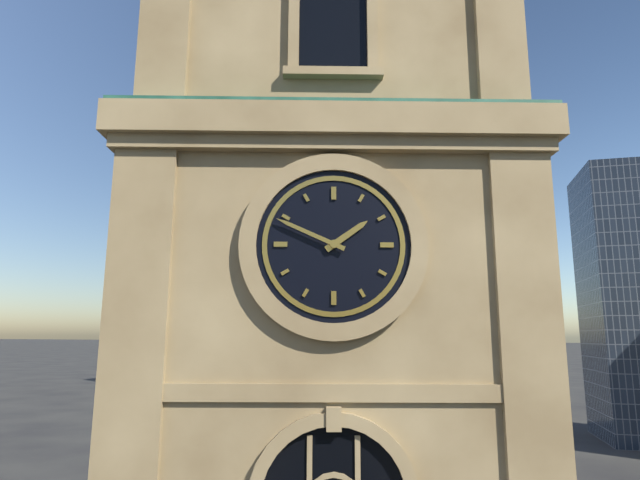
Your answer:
**1:49**
